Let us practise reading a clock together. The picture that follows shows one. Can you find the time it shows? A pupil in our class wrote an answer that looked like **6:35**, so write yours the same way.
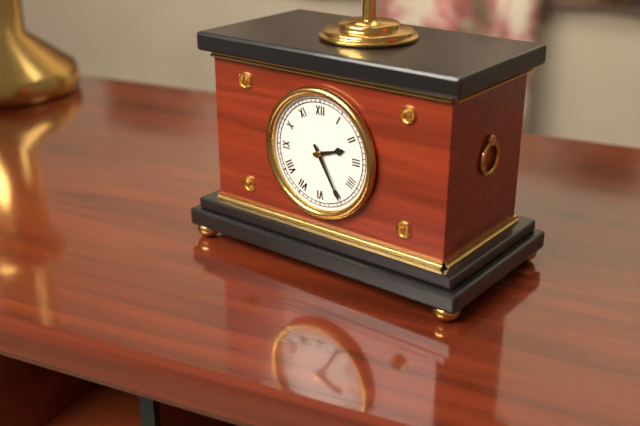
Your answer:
**2:25**
